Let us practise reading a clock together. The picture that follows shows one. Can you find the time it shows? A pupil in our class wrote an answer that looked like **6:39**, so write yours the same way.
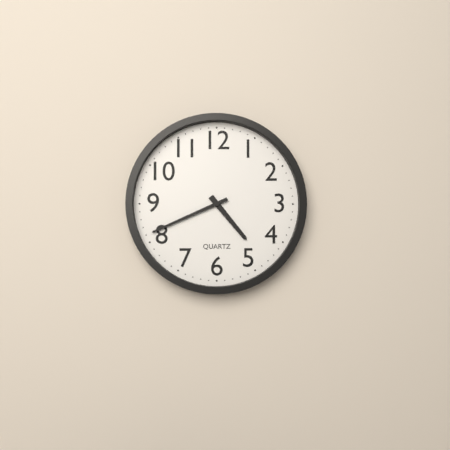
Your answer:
**4:41**
